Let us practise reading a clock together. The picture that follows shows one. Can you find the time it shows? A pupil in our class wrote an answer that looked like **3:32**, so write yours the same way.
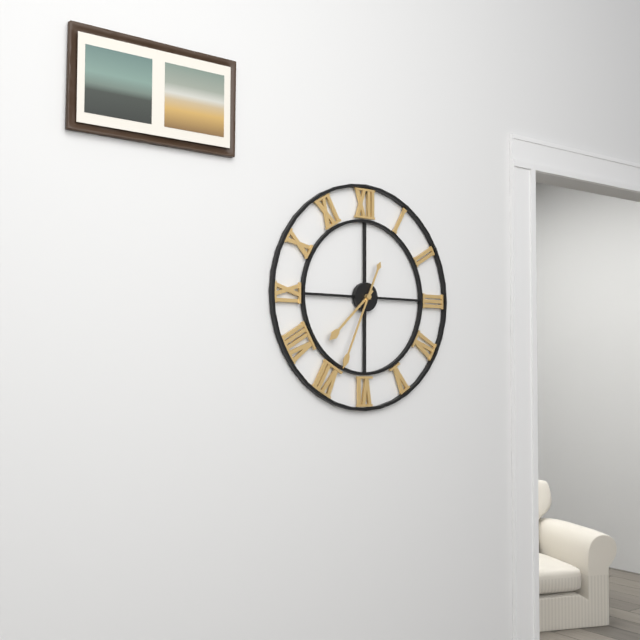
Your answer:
**7:34**
